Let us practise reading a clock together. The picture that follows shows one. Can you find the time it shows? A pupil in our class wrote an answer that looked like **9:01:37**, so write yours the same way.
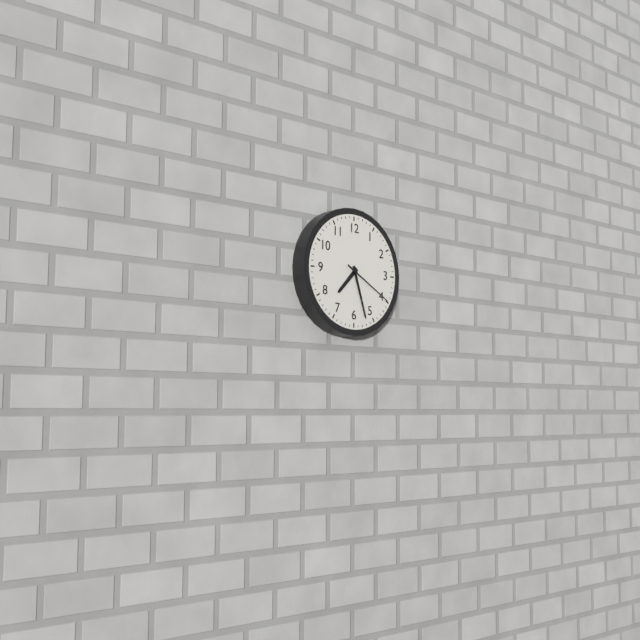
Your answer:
**7:27:20**
